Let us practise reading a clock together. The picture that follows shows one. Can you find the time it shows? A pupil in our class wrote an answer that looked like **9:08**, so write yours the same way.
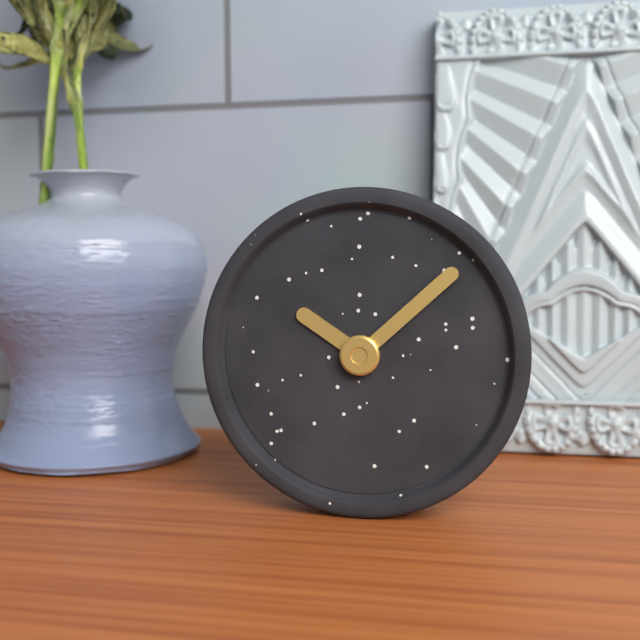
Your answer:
**10:08**
